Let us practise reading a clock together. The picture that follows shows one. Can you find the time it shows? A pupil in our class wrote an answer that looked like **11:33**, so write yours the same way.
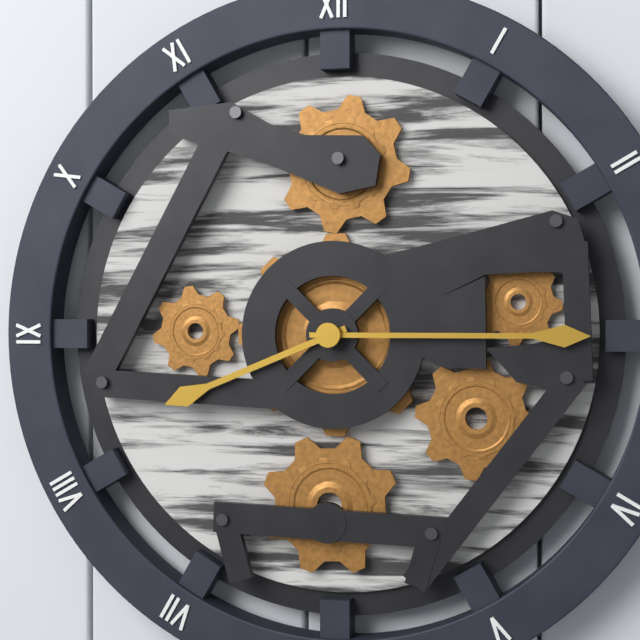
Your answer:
**8:15**
